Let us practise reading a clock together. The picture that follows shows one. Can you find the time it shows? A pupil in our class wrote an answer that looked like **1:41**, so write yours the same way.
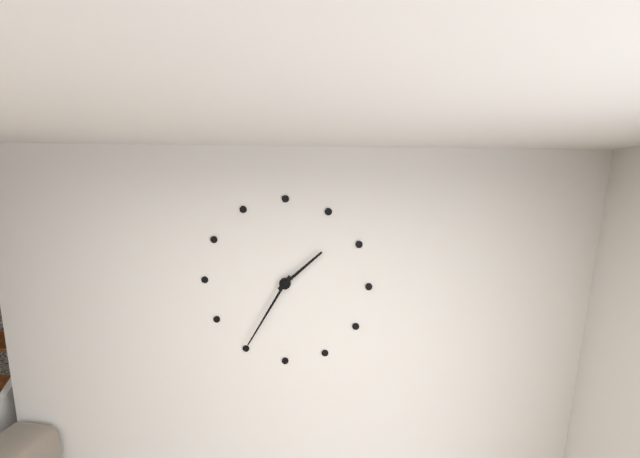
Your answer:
**1:35**
